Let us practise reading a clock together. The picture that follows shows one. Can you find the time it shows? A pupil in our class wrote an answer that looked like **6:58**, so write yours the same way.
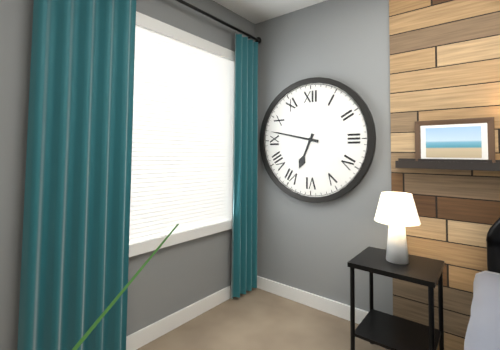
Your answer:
**6:47**
